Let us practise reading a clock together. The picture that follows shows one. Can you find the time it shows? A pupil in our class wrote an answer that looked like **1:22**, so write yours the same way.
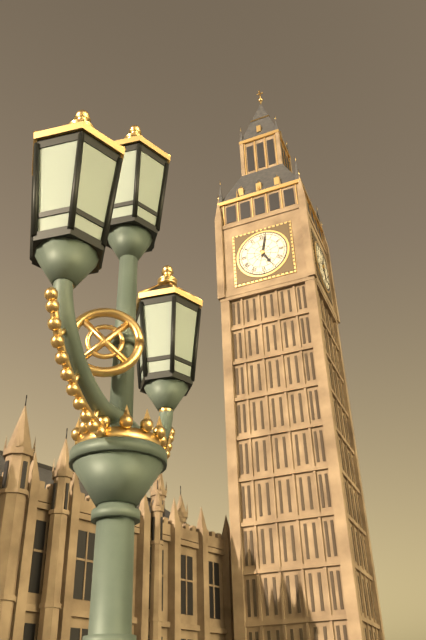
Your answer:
**5:02**
